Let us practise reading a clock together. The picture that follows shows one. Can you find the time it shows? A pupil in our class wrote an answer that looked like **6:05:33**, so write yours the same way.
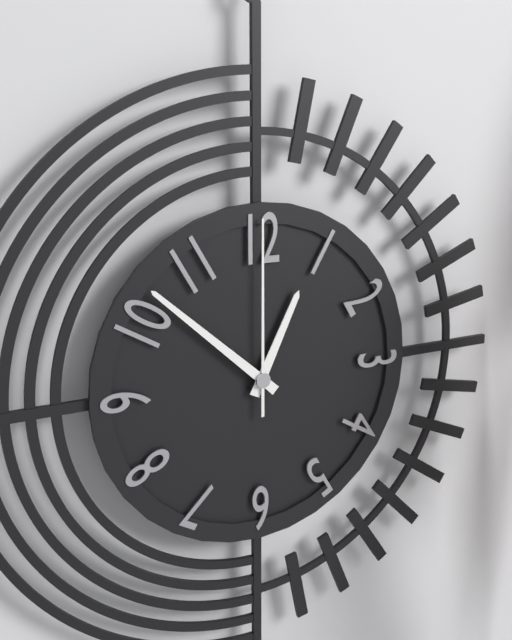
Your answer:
**12:52:00**
